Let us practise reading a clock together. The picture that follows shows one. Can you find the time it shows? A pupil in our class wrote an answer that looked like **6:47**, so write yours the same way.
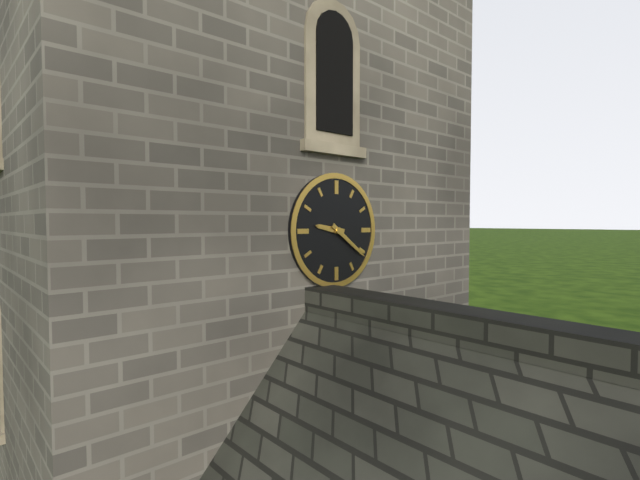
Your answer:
**9:21**
